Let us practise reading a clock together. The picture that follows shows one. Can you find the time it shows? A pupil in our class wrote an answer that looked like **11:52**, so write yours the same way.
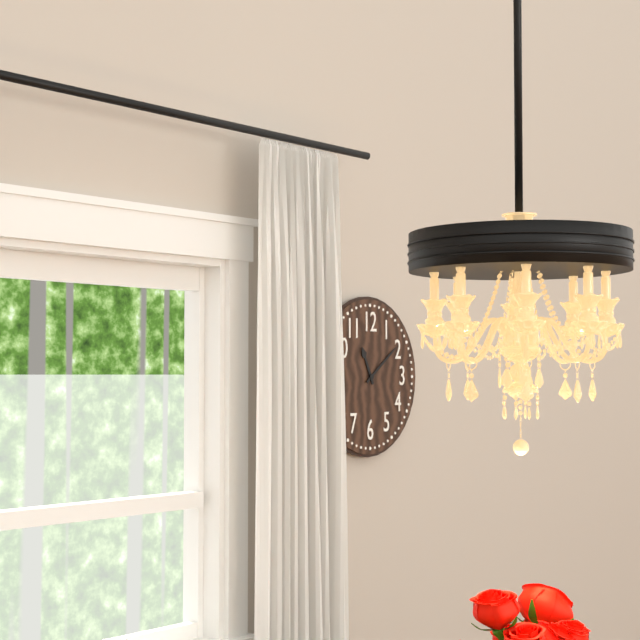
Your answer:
**11:09**
